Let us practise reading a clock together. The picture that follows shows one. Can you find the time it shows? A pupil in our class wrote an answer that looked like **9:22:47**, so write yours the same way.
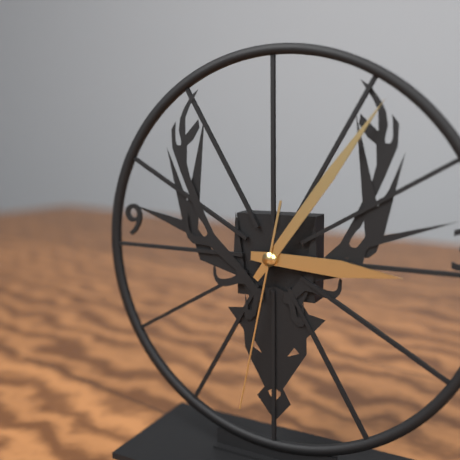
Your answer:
**3:06:32**
